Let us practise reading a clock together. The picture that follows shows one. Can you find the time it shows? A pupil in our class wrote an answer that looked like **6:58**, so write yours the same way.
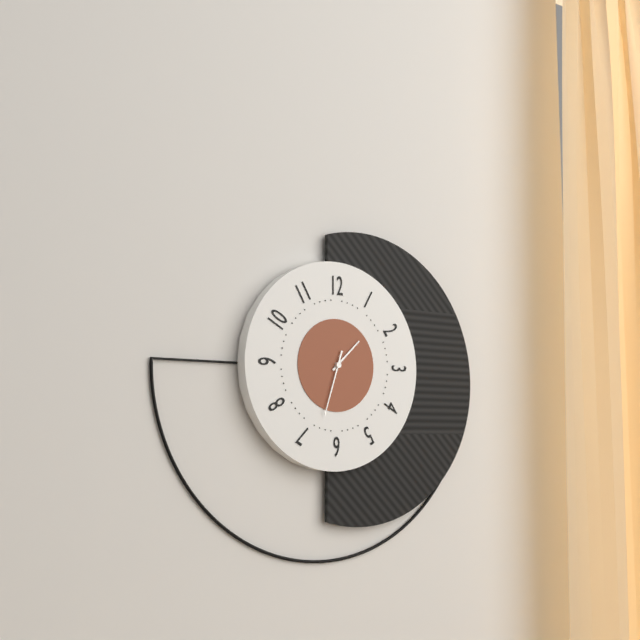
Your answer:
**1:33**
